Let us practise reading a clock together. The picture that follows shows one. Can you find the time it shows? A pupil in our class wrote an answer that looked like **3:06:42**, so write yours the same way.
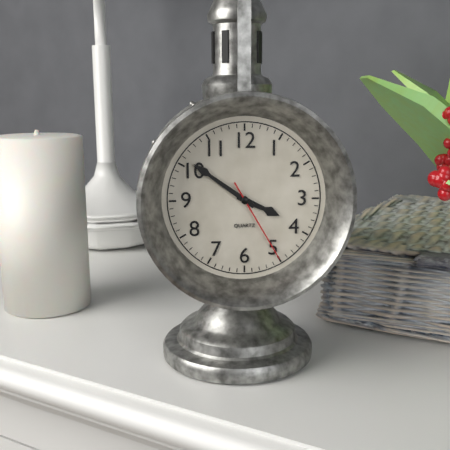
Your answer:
**3:51:25**
